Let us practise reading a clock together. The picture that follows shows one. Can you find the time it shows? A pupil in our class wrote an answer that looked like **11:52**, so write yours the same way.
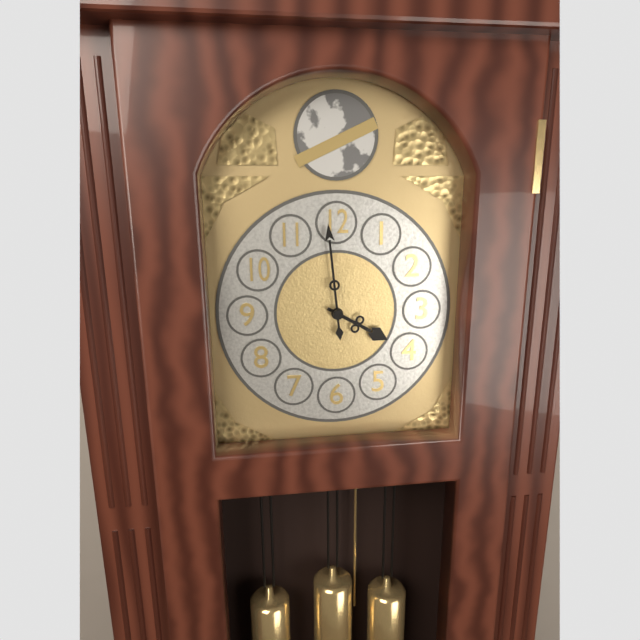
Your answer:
**3:59**
